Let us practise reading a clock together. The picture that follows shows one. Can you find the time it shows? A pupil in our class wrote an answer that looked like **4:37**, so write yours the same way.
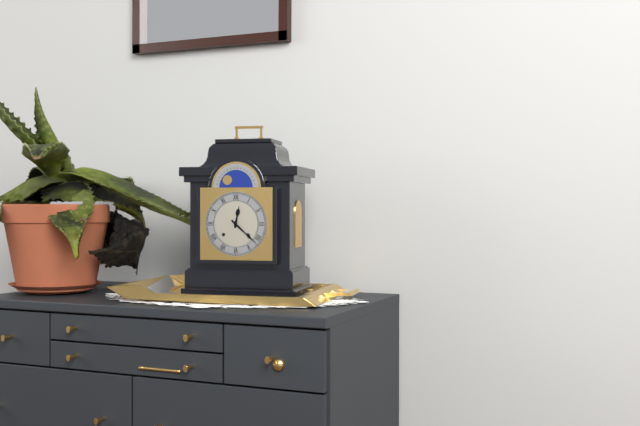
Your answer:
**12:22**
